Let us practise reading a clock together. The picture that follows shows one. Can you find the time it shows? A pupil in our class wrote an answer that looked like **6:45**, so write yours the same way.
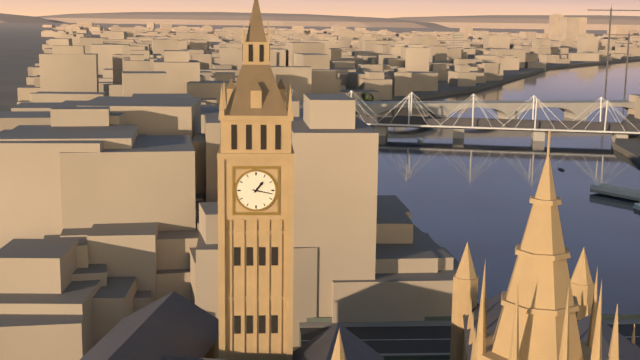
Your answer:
**1:17**
